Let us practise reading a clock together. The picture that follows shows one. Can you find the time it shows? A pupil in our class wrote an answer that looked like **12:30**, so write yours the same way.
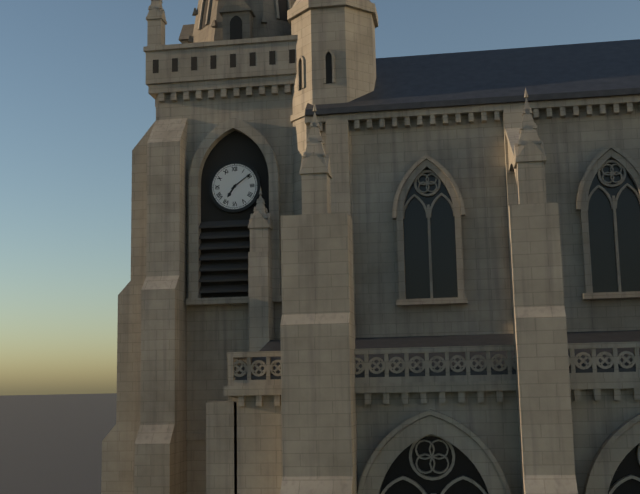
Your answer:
**7:09**
